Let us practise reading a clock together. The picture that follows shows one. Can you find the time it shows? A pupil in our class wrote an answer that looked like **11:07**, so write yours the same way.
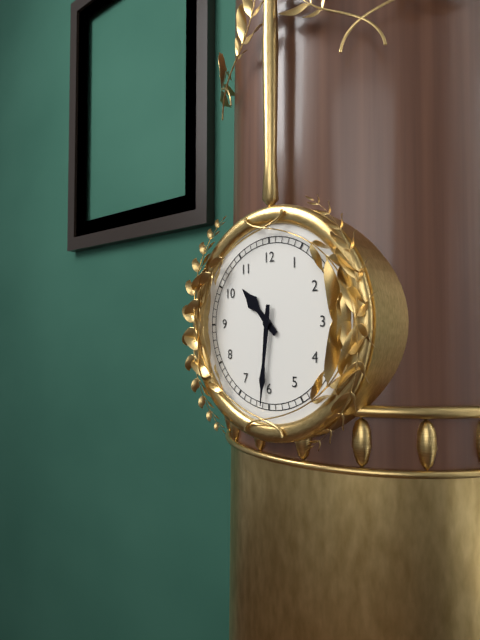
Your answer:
**10:31**
